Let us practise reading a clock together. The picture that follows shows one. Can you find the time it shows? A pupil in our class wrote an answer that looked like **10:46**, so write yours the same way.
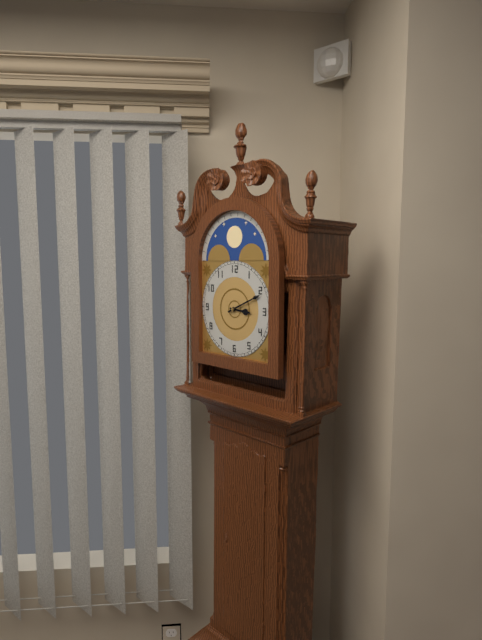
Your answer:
**3:11**
